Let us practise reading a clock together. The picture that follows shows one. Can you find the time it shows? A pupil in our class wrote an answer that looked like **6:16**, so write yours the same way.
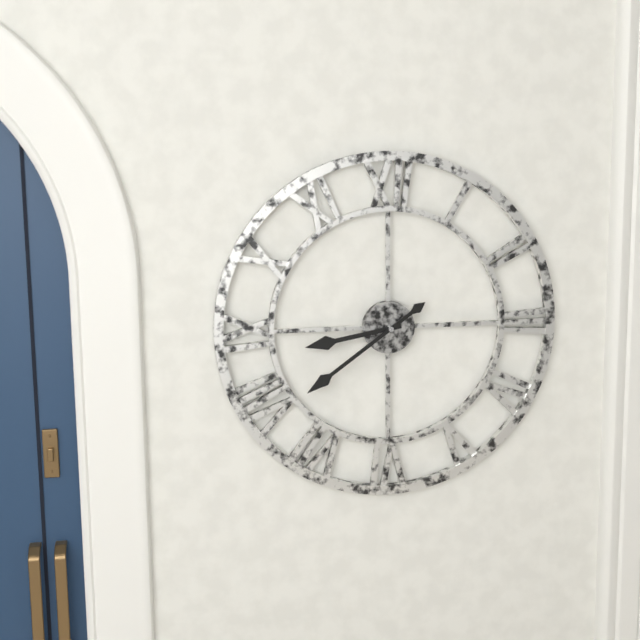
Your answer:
**8:39**
